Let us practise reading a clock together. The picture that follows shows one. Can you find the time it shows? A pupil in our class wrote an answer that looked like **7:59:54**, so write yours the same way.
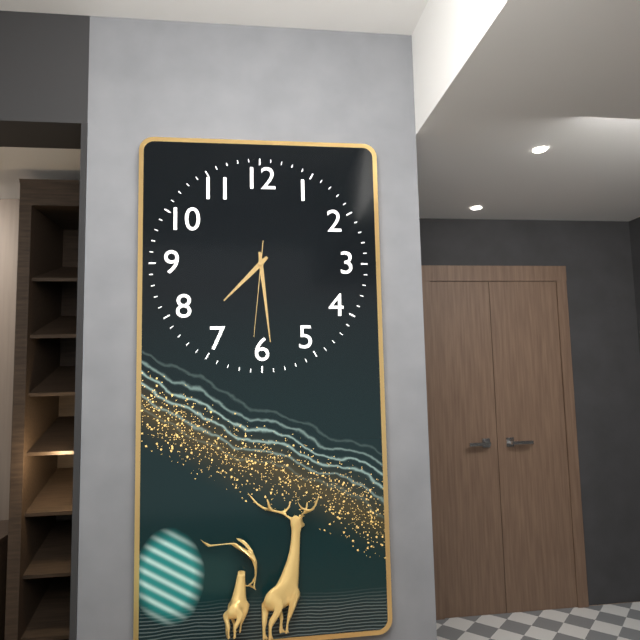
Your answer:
**7:29:31**
